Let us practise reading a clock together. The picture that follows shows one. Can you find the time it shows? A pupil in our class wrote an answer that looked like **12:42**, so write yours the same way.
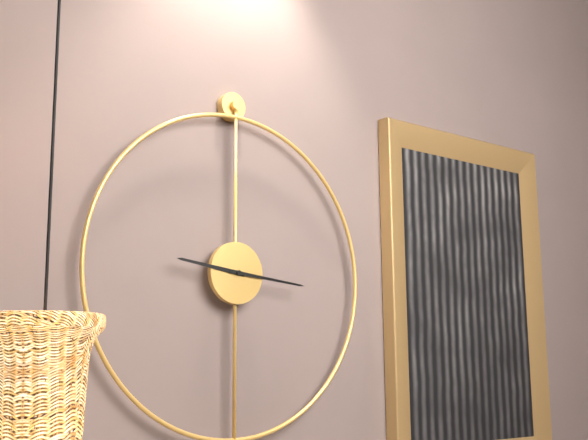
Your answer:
**9:16**
